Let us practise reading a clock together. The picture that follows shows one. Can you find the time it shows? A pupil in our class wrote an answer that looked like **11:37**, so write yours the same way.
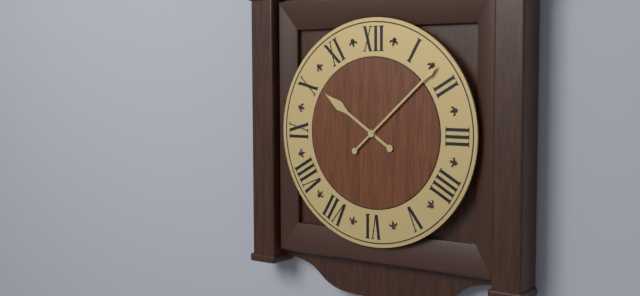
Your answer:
**10:08**
